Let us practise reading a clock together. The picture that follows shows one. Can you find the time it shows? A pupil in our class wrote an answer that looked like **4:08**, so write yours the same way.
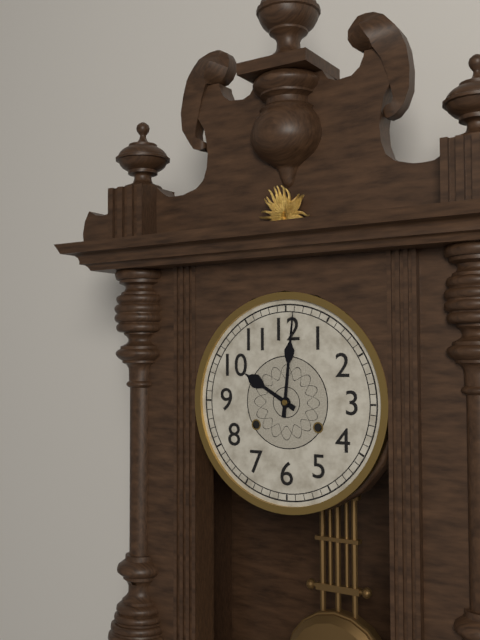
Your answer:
**10:01**
